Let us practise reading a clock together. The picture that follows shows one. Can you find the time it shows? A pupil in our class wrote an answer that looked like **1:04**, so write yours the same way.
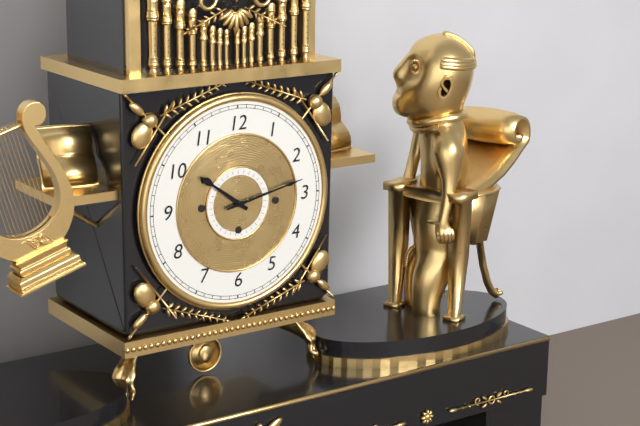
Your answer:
**10:13**
